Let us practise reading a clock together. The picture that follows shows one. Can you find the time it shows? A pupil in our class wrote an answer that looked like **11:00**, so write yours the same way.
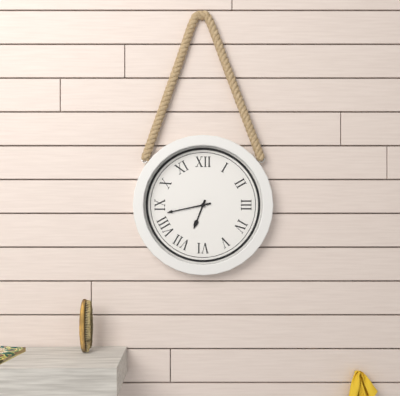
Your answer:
**6:43**
